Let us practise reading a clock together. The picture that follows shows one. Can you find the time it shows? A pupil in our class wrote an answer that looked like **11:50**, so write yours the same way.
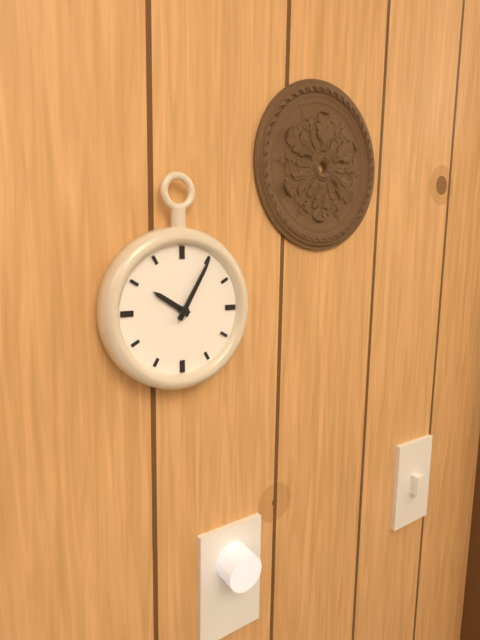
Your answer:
**10:05**
